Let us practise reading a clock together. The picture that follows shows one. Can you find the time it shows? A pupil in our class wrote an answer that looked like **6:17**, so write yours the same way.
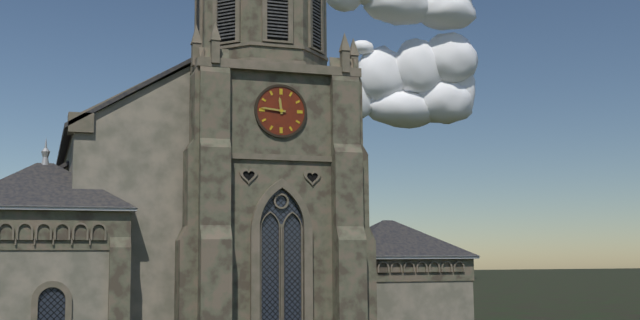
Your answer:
**11:46**
